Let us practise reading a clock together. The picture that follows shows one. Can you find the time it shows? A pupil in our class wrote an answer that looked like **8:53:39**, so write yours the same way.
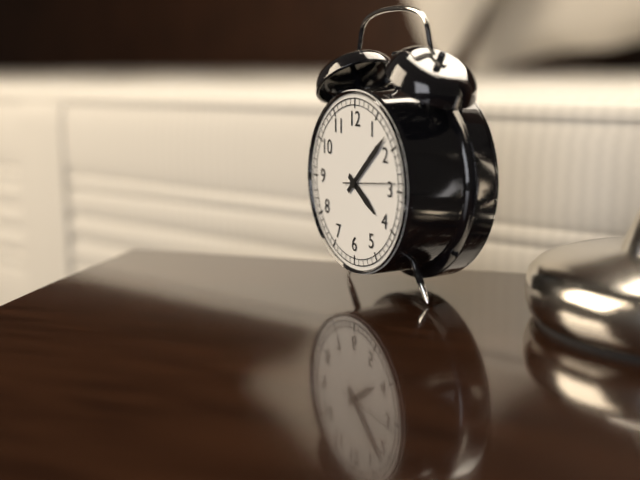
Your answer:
**4:08:14**
